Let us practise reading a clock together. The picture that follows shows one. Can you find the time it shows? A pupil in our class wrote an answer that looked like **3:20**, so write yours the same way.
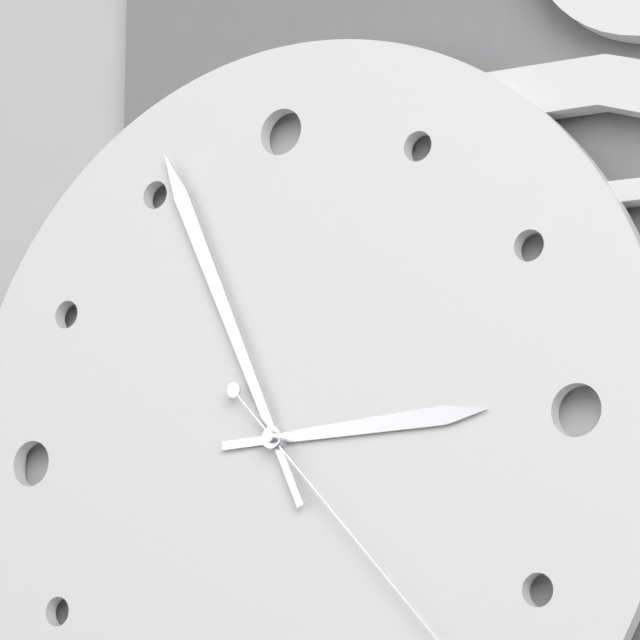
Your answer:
**2:56**
